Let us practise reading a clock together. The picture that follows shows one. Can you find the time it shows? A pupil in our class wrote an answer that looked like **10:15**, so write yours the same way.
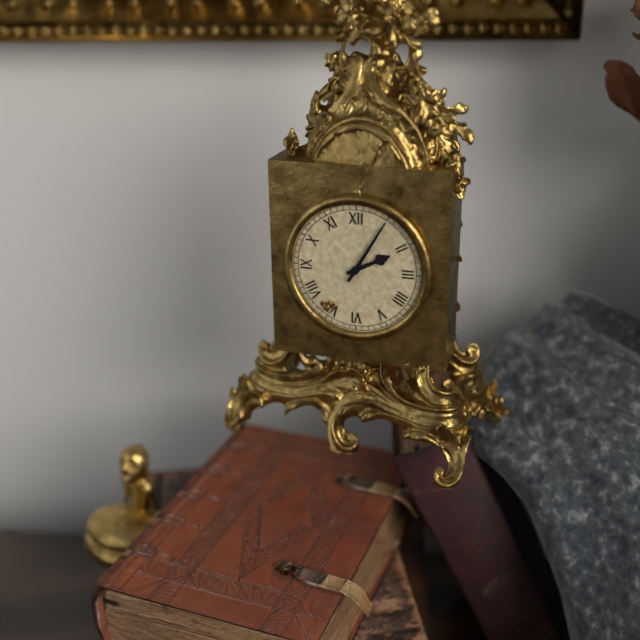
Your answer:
**2:05**
